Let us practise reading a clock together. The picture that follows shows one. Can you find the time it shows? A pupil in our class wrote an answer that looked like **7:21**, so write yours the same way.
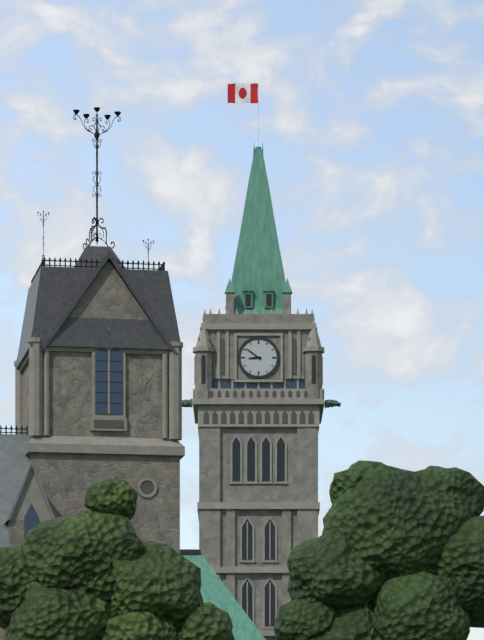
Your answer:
**8:51**
